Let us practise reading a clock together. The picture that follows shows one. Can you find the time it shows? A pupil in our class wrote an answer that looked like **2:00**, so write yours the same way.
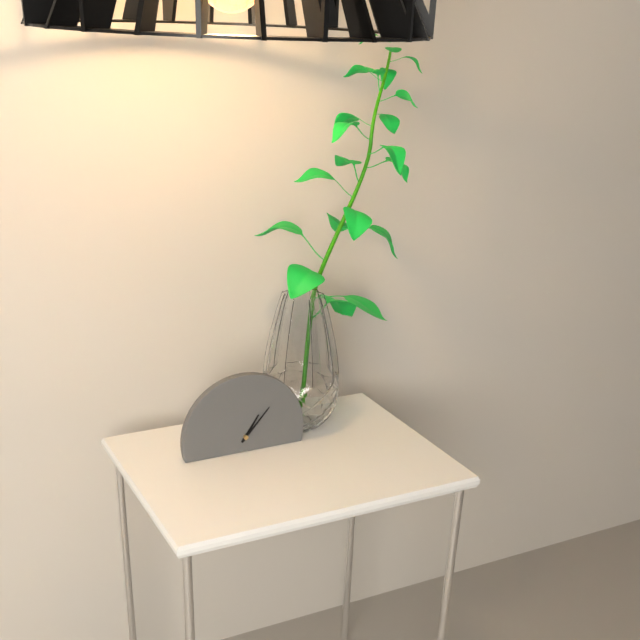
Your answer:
**1:07**
